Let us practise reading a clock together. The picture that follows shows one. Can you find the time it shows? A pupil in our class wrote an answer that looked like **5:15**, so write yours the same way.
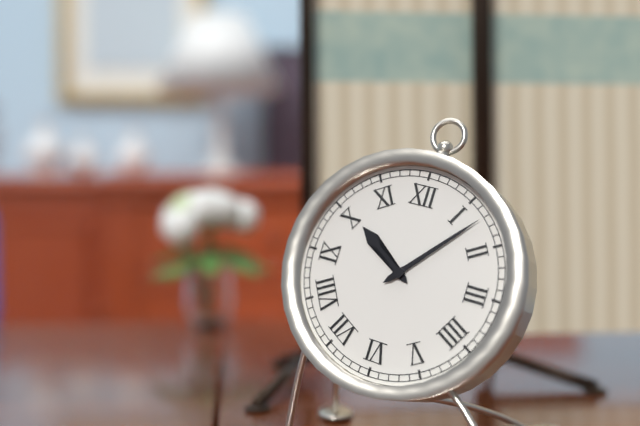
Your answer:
**10:07**
